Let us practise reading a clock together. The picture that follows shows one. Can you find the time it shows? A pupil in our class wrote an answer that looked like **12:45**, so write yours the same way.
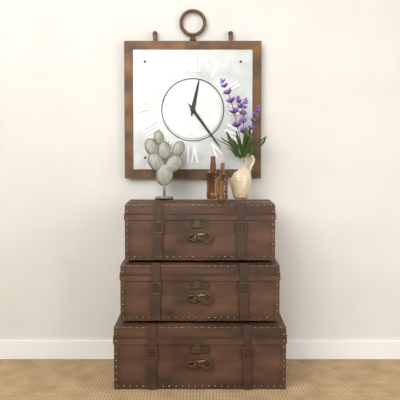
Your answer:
**12:24**
